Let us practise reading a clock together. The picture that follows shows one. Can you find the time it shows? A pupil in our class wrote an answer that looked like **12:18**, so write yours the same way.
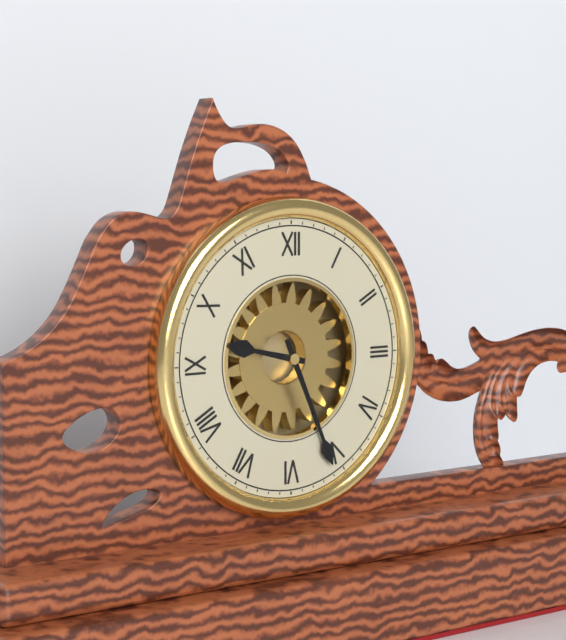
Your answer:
**9:26**
